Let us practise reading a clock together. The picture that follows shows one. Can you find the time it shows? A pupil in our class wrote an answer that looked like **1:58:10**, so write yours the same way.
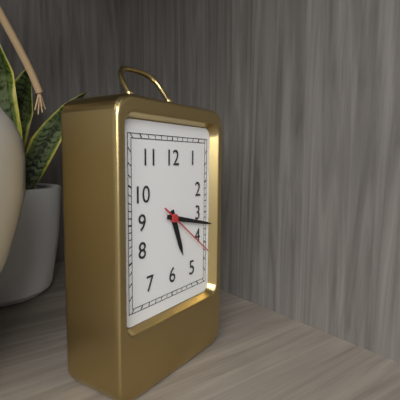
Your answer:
**5:17:21**
